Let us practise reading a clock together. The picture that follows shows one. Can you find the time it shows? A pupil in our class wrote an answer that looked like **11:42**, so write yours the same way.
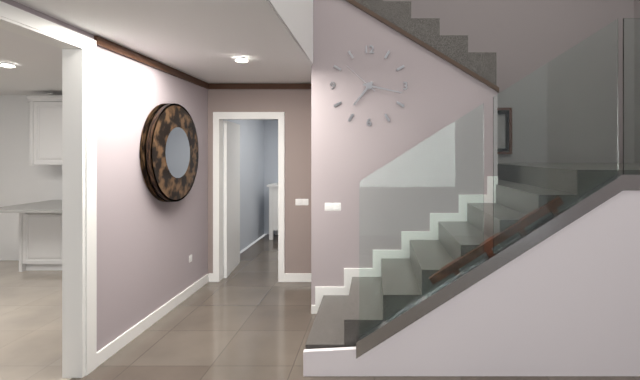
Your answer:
**7:17**
